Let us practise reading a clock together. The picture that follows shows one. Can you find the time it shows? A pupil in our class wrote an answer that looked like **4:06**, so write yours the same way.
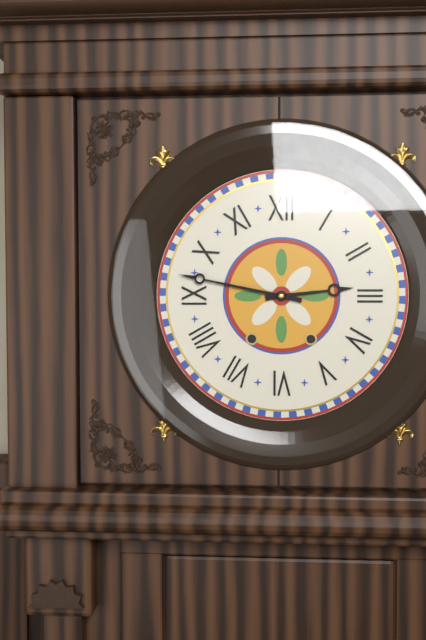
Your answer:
**2:47**
